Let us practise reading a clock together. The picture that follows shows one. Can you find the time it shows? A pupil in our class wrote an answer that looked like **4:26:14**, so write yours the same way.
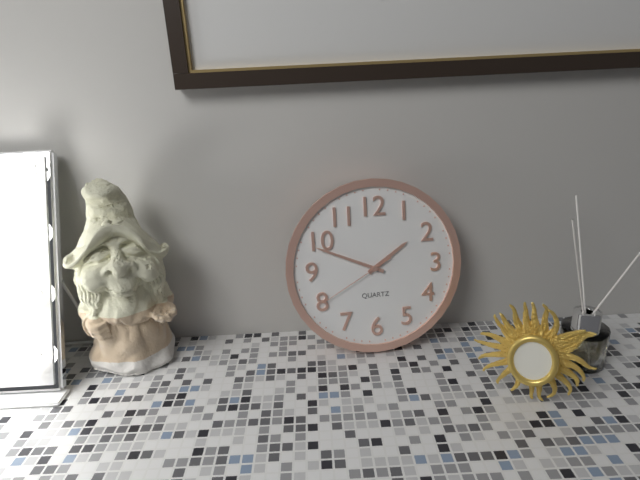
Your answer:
**1:49:40**
